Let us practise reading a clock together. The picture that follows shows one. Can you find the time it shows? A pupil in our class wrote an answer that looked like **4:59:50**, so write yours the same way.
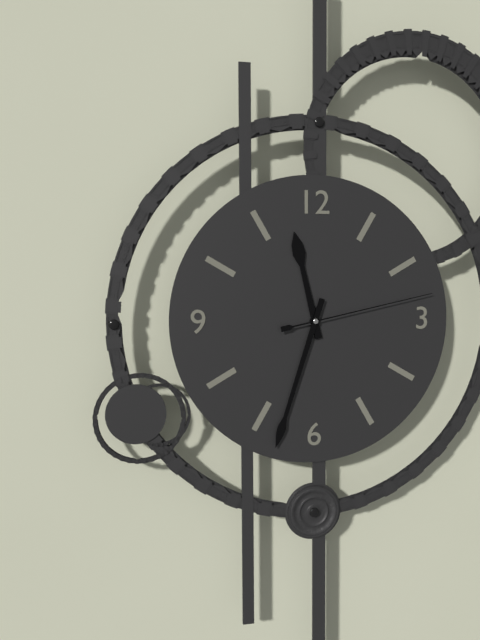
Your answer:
**11:33:13**
